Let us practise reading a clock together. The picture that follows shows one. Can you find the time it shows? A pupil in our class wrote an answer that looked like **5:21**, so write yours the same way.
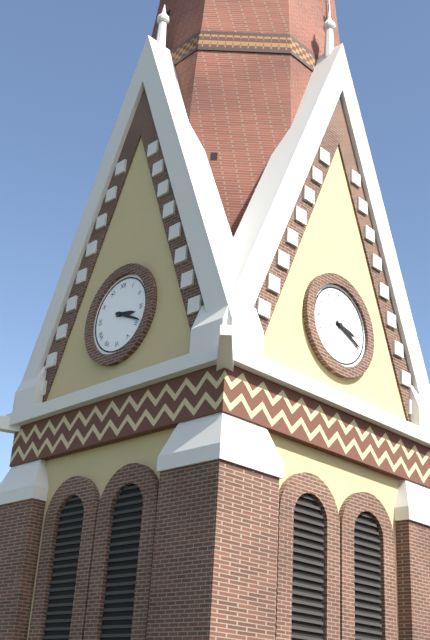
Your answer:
**3:19**
